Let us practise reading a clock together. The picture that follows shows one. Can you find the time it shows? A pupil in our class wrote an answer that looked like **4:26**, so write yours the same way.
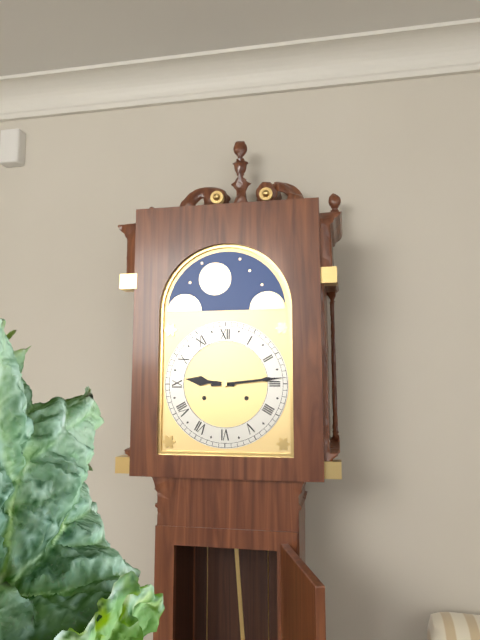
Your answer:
**9:14**
